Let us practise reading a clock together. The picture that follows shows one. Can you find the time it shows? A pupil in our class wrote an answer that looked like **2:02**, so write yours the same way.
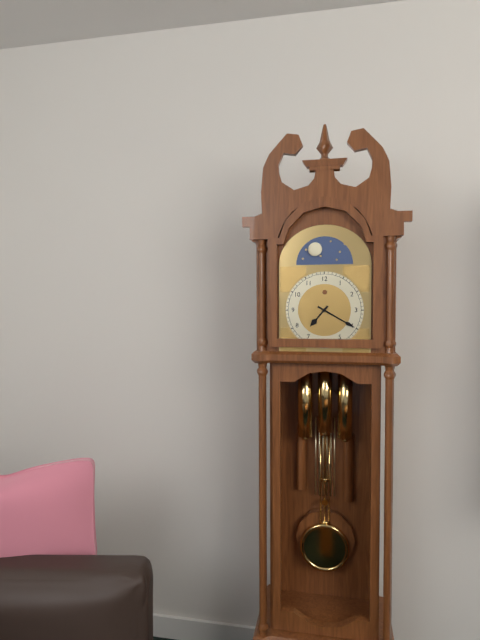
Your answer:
**7:20**
